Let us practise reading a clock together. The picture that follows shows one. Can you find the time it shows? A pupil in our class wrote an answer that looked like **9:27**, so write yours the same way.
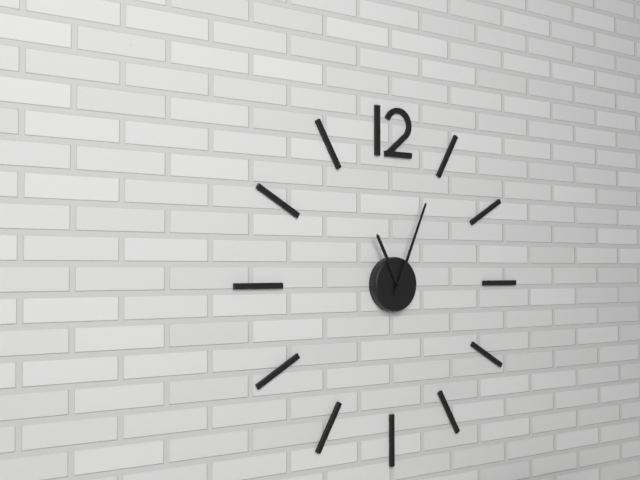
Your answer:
**11:04**
